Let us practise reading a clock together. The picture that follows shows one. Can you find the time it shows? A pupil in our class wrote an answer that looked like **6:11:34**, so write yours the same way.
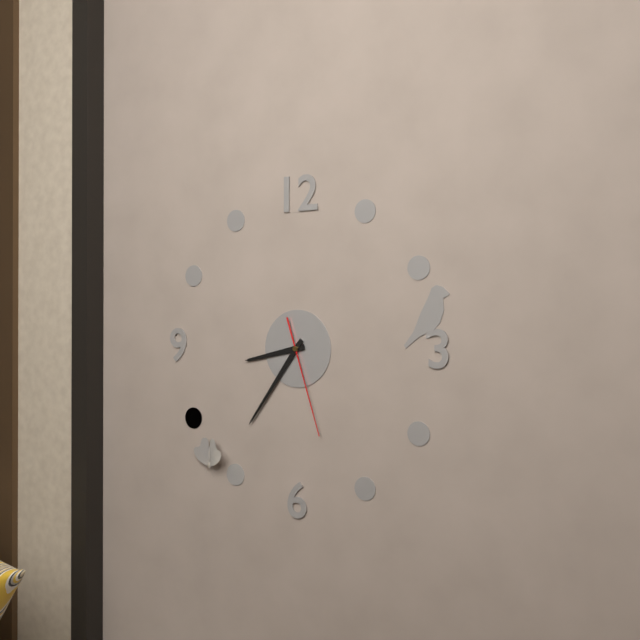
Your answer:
**8:36:27**
